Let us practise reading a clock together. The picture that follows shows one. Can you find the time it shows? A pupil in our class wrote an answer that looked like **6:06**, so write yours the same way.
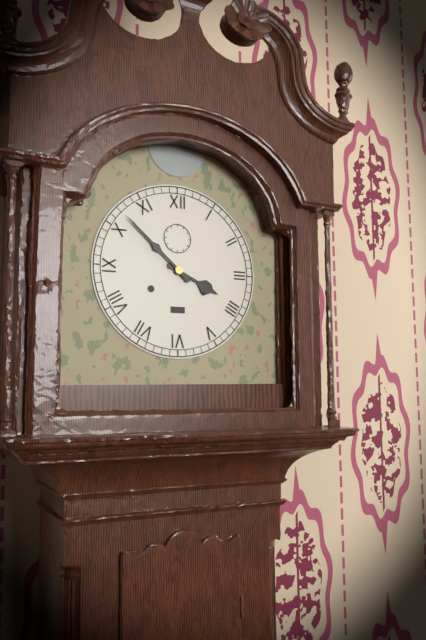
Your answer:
**3:52**
